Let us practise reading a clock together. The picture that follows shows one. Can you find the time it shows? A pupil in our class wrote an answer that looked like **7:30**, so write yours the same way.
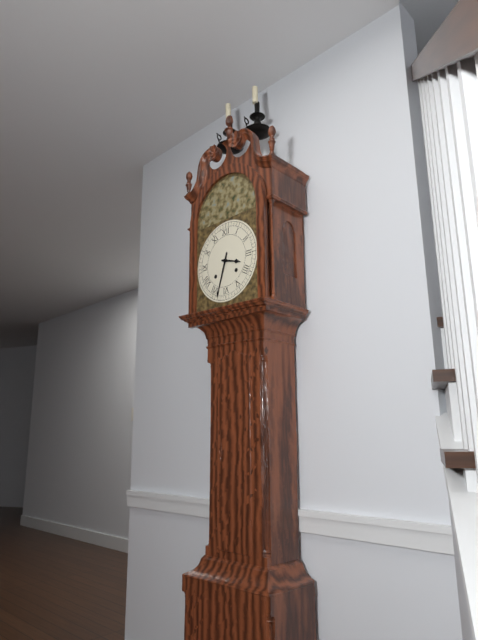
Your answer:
**3:33**
